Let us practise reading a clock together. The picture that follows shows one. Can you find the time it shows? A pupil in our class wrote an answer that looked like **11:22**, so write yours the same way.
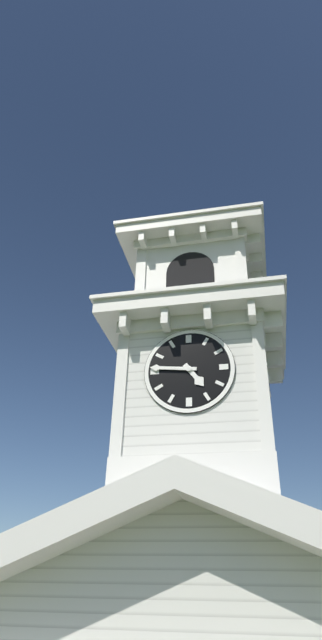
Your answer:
**4:46**
